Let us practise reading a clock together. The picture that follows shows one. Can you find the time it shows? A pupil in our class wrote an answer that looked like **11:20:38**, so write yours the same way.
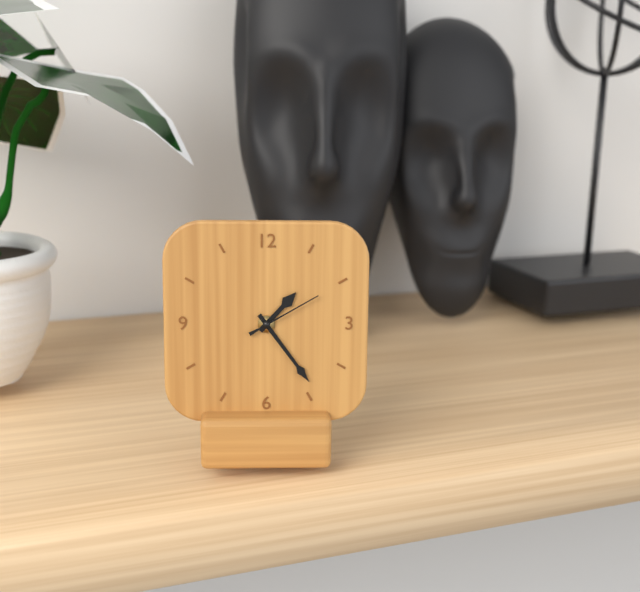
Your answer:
**1:24:10**
